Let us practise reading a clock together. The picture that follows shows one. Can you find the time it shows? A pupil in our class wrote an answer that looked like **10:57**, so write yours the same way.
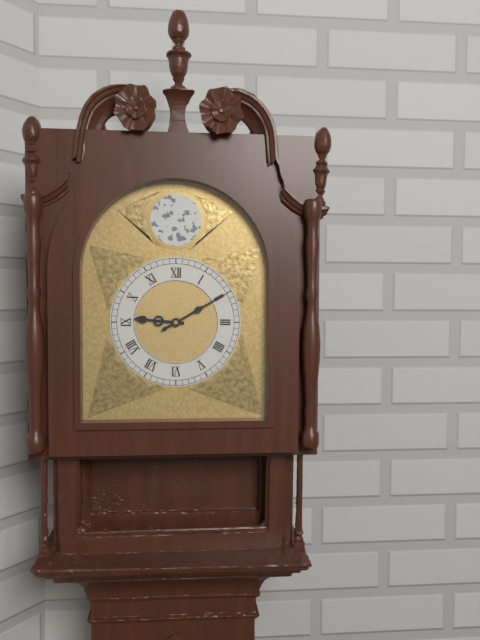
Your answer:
**9:10**
